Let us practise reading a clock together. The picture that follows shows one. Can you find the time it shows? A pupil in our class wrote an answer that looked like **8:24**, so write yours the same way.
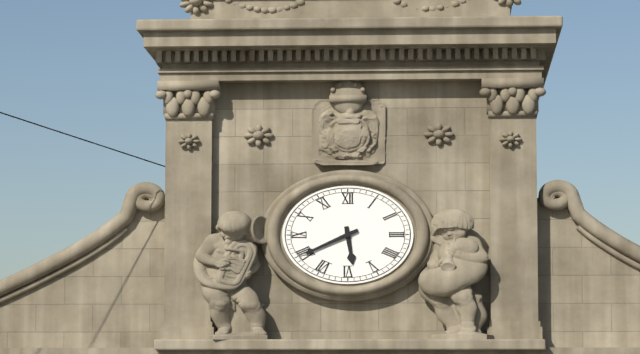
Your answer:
**5:41**
